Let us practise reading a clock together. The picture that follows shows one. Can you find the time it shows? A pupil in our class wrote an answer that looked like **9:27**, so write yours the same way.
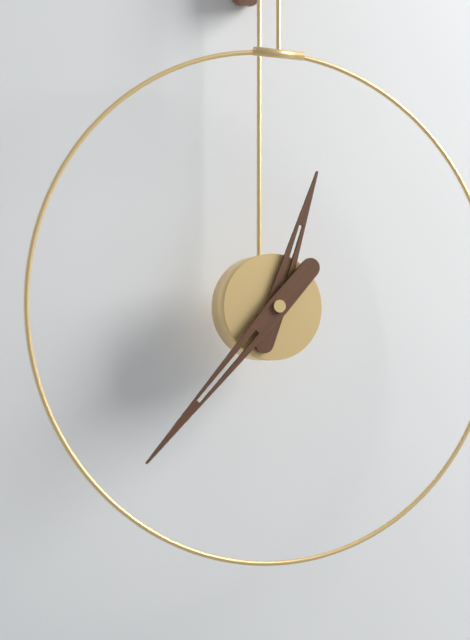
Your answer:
**12:37**
